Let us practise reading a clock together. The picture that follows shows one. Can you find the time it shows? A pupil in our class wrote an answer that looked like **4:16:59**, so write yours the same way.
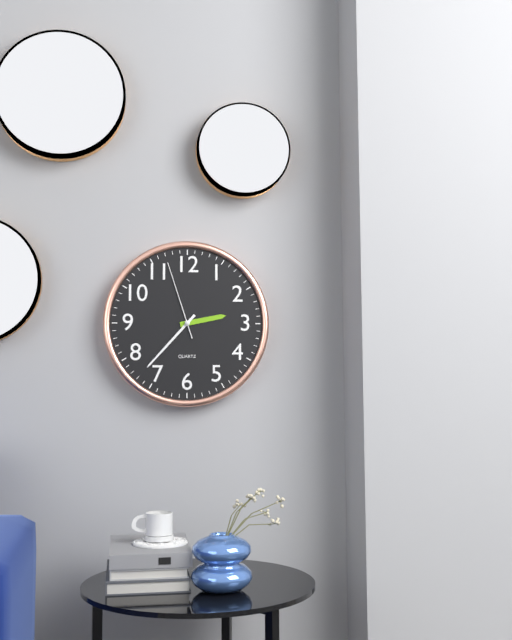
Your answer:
**2:37:57**
